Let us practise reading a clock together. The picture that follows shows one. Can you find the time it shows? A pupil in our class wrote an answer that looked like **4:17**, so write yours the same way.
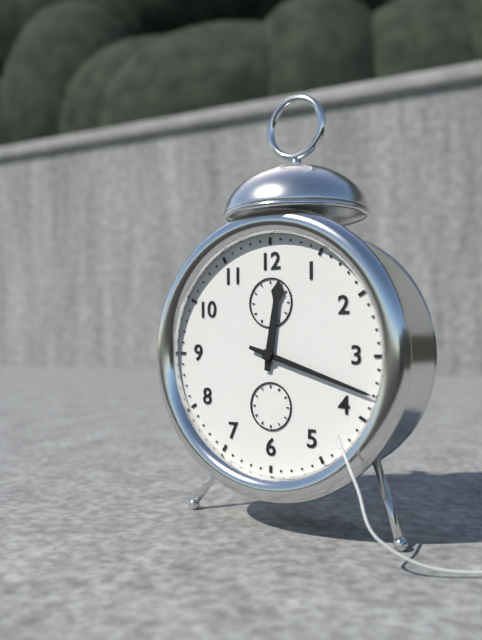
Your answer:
**12:18**
